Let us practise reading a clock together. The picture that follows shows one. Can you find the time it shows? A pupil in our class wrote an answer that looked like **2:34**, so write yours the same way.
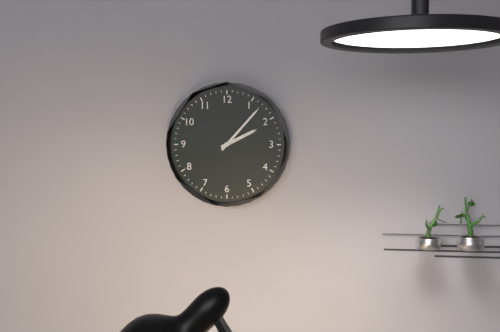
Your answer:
**2:07**
